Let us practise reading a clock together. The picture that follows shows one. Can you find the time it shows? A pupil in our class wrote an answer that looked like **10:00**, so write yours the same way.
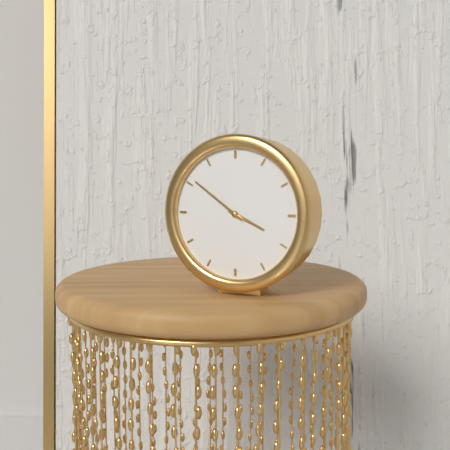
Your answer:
**3:51**
